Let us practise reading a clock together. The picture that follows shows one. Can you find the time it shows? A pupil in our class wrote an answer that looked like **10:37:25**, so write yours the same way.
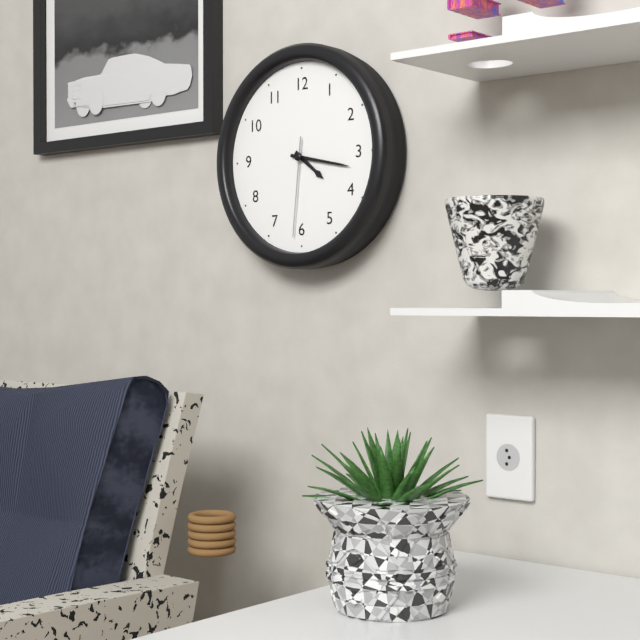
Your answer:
**4:17:31**
